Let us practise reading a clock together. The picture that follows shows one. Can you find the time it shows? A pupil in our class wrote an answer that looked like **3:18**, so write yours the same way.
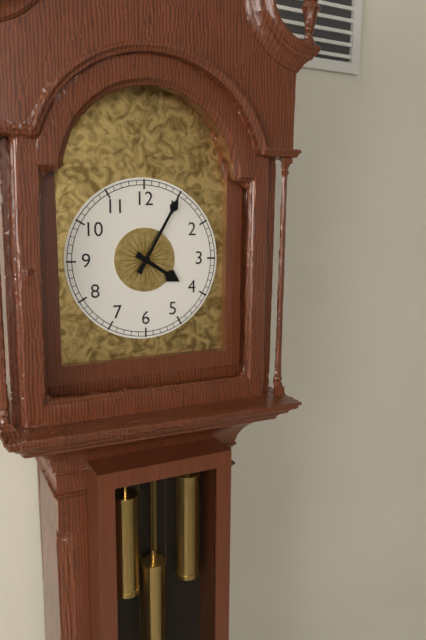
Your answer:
**4:05**
